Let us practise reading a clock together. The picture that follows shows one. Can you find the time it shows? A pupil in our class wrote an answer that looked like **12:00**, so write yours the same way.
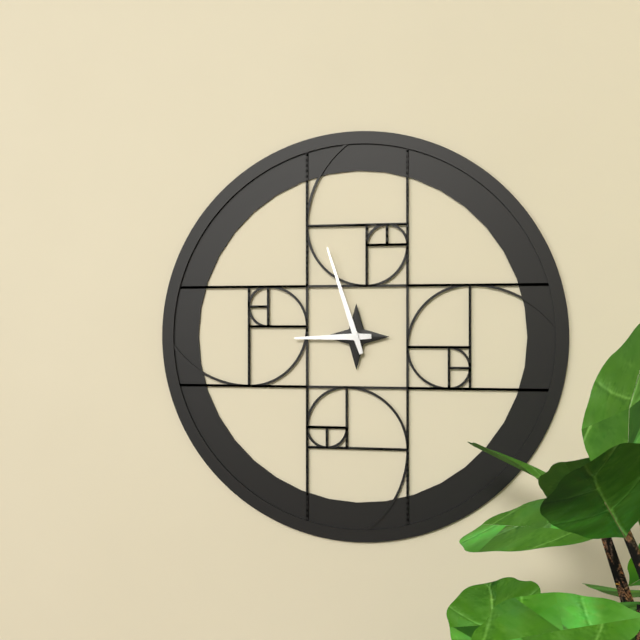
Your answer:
**8:57**
